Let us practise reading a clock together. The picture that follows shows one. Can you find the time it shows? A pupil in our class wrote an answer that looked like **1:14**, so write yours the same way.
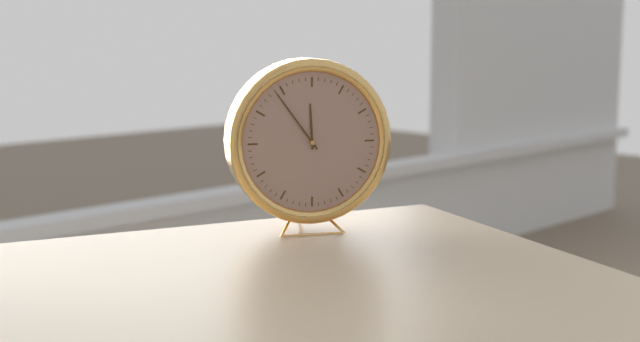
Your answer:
**11:54**
